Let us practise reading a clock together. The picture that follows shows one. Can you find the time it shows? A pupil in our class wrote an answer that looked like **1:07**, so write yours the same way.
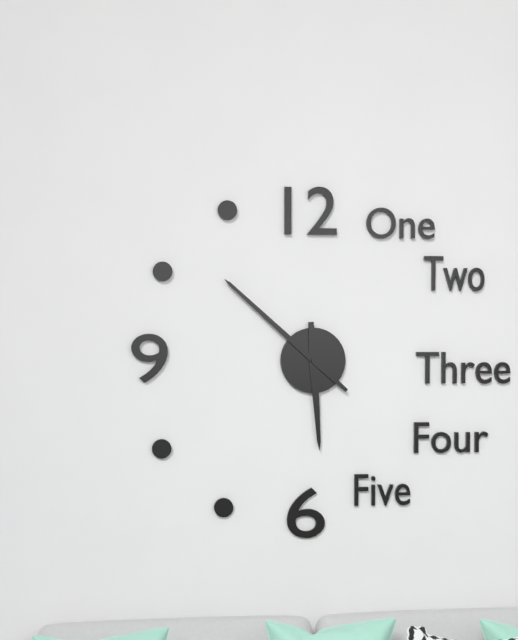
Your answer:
**5:52**
